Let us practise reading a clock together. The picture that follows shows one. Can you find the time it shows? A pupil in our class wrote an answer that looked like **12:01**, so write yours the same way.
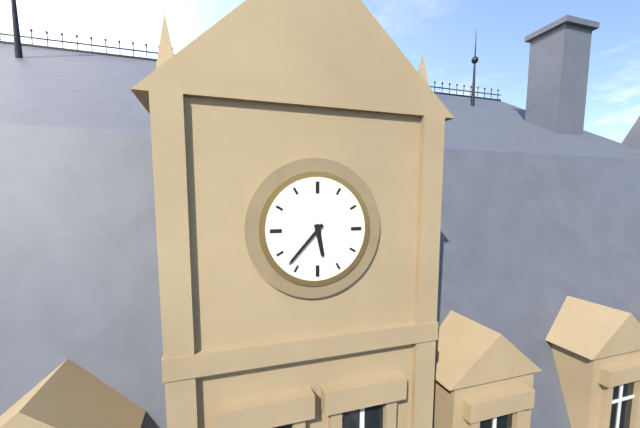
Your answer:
**5:37**
